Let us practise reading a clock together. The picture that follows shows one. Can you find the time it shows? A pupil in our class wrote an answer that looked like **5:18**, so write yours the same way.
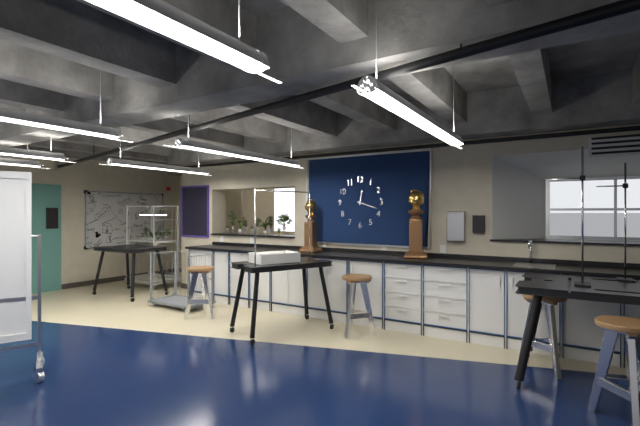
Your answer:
**12:18**
